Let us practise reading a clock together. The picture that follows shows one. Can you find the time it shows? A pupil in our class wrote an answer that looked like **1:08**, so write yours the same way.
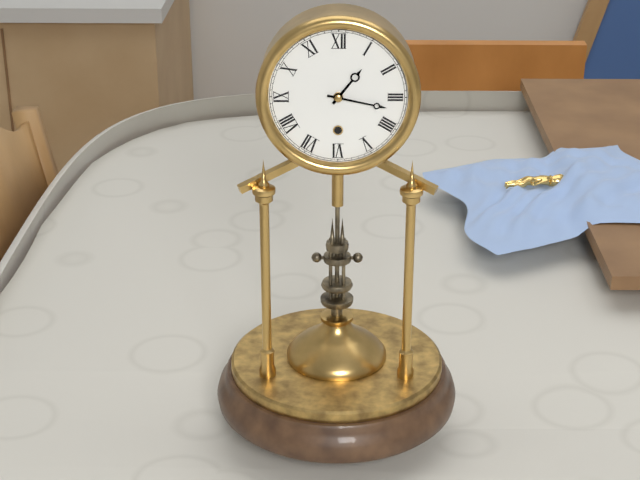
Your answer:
**1:17**
